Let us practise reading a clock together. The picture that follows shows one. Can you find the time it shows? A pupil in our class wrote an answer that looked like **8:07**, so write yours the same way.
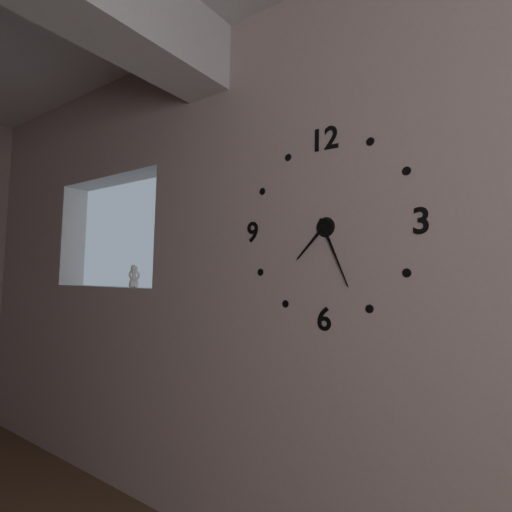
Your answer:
**7:26**
